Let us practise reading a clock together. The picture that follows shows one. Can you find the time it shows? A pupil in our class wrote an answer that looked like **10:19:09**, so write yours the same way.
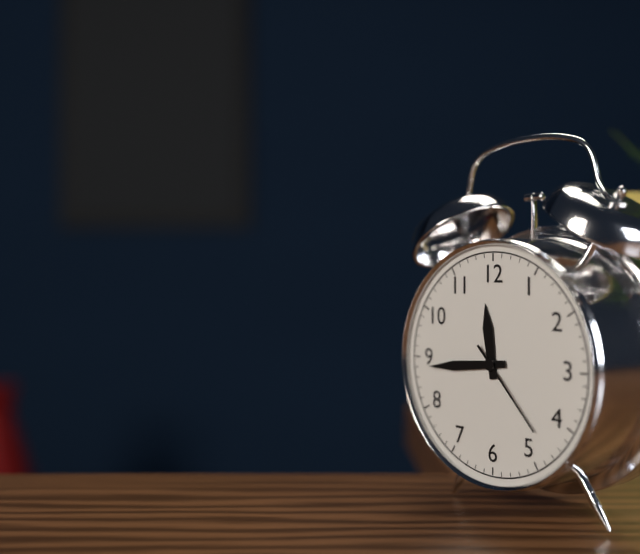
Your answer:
**11:44:23**
